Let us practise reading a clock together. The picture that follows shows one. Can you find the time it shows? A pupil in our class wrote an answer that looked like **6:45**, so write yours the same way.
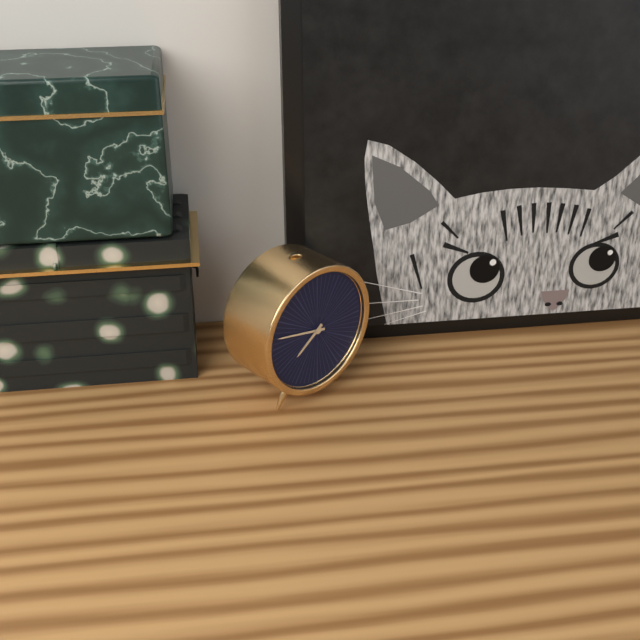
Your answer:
**7:47**
